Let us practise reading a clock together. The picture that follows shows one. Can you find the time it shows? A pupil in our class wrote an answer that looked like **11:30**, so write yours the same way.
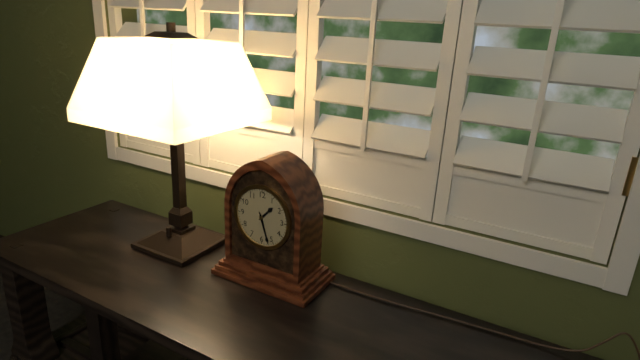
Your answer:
**1:27**
